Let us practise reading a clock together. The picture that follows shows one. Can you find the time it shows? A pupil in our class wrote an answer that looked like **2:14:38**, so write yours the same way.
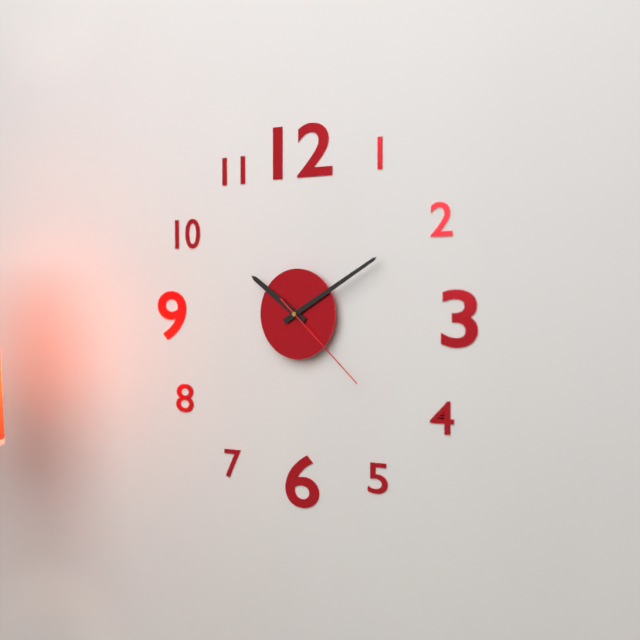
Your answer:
**10:10:22**
